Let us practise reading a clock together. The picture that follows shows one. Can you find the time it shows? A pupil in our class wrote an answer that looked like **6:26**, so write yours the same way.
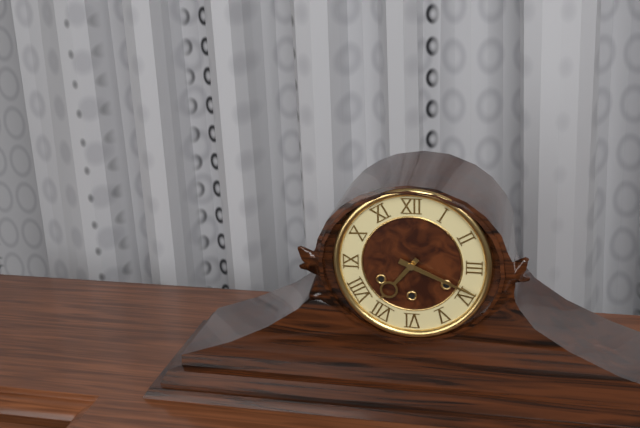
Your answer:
**7:19**
